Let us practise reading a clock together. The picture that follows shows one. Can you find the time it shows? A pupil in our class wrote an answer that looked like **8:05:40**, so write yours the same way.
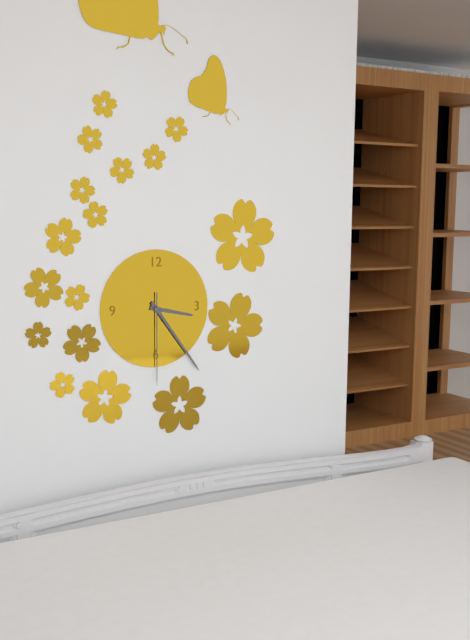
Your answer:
**3:24:30**
